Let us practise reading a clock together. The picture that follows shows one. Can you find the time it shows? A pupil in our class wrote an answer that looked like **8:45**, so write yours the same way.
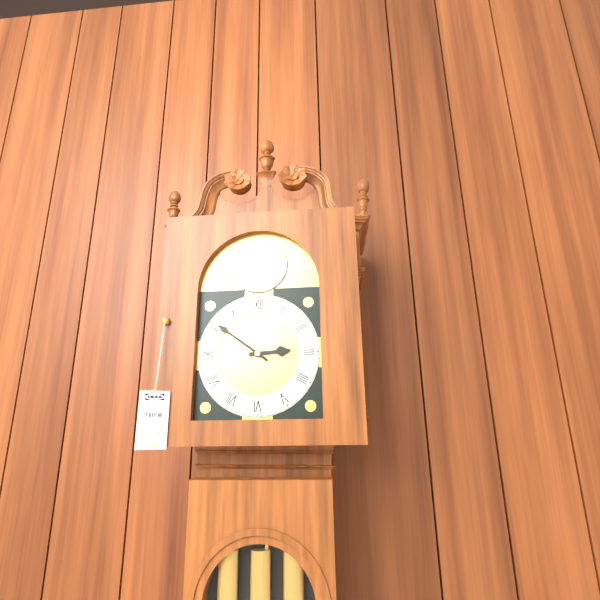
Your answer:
**2:51**
